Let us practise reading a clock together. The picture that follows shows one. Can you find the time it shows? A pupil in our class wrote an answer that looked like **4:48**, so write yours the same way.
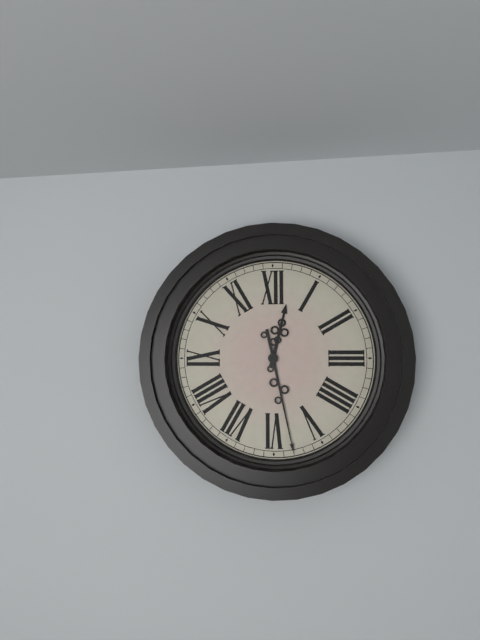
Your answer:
**12:28**
